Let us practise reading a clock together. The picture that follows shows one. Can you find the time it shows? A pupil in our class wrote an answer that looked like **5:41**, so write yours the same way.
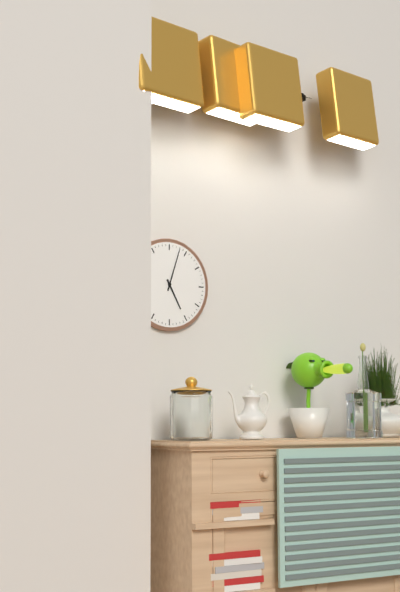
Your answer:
**5:03**
